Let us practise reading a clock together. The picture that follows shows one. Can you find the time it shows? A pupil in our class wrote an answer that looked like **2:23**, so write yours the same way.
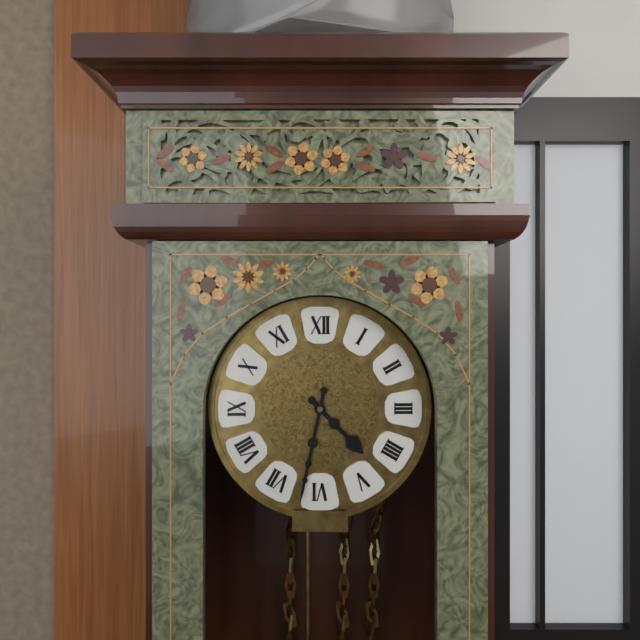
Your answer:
**4:32**
